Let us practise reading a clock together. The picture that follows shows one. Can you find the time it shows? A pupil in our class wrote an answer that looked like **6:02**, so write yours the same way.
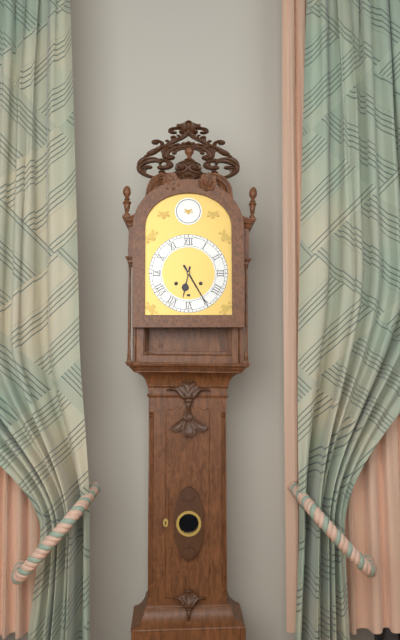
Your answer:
**6:25**
